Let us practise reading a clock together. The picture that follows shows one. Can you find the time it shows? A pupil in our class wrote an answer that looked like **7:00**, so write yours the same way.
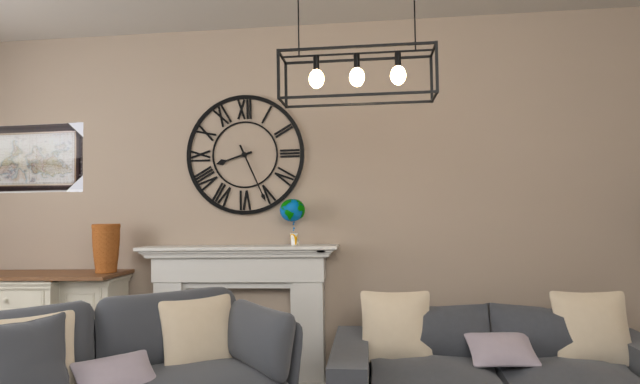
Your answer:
**8:26**
